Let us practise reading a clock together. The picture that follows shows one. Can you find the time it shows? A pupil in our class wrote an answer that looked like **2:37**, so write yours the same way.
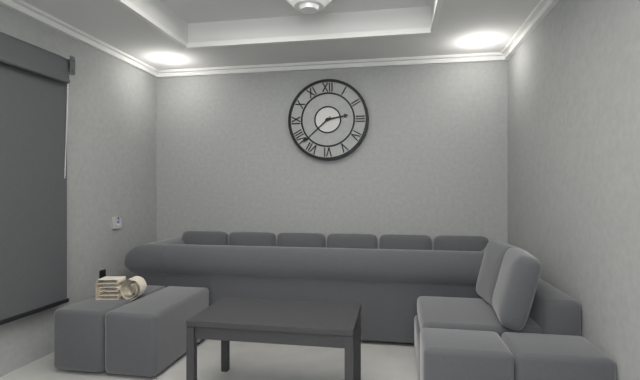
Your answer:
**2:38**
